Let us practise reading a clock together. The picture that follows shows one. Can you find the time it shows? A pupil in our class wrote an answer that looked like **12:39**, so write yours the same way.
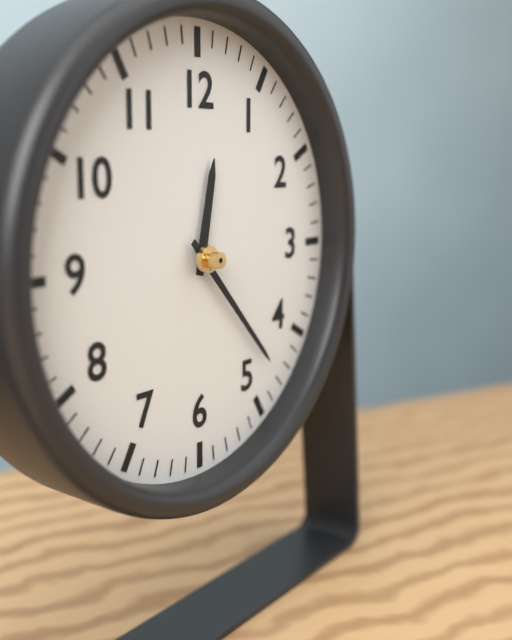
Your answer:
**12:23**
